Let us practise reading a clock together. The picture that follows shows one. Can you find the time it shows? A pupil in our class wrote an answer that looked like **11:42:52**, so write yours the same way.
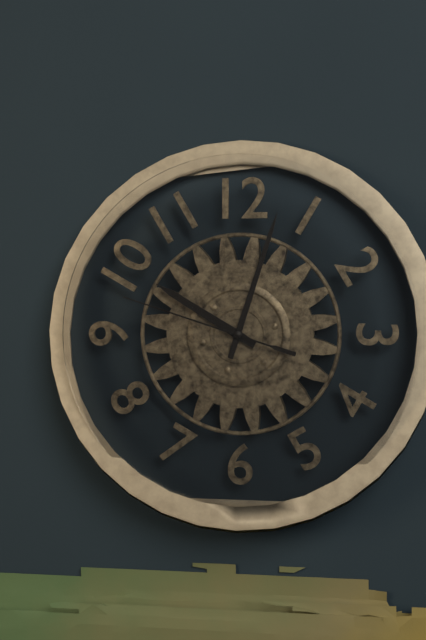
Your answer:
**10:03:48**
